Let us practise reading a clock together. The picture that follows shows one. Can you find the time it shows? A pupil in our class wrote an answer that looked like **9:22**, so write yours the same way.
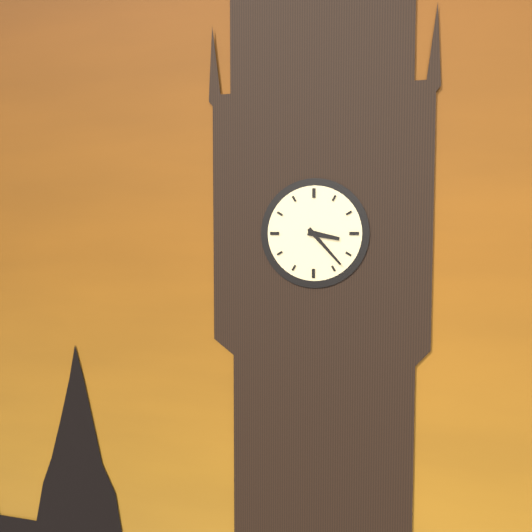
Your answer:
**3:23**
